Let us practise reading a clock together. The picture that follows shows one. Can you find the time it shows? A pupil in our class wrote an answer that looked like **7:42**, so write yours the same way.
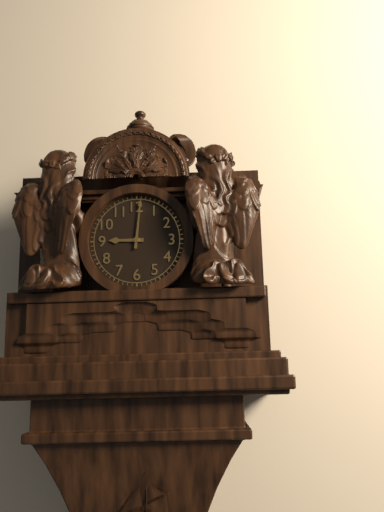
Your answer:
**9:01**
